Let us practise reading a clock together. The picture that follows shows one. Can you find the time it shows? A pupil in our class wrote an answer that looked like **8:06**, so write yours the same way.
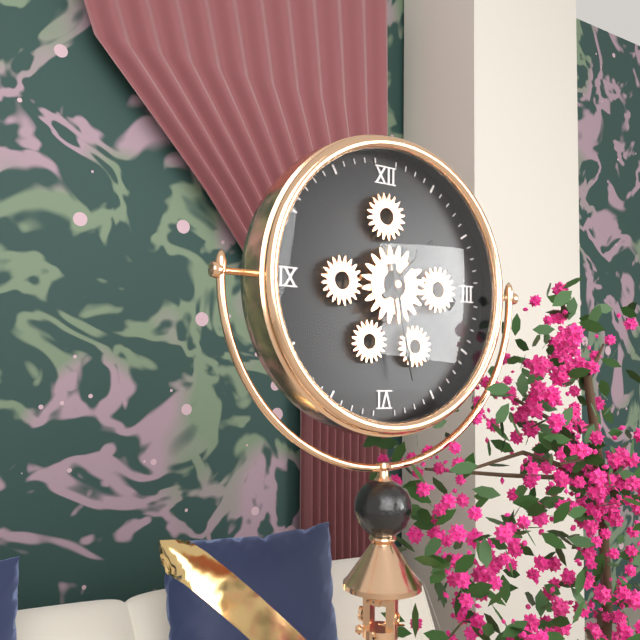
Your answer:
**1:28**
